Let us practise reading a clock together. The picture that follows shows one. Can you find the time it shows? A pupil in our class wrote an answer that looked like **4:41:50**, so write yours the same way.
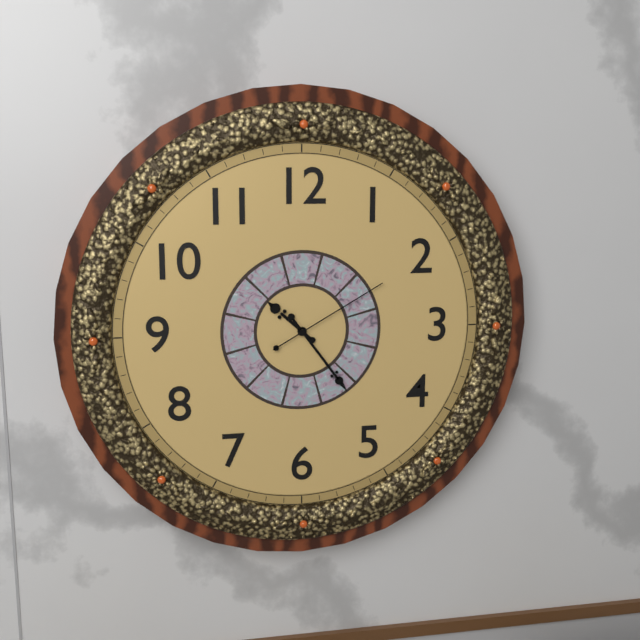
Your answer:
**10:24:10**
